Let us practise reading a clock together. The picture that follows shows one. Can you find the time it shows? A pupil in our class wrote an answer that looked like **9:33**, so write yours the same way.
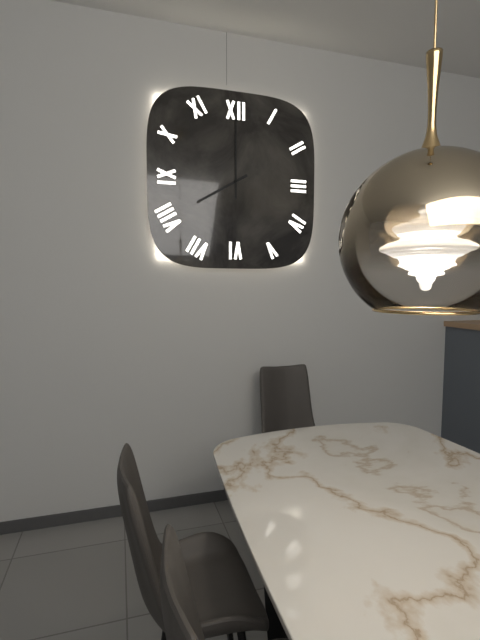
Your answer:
**8:00**
